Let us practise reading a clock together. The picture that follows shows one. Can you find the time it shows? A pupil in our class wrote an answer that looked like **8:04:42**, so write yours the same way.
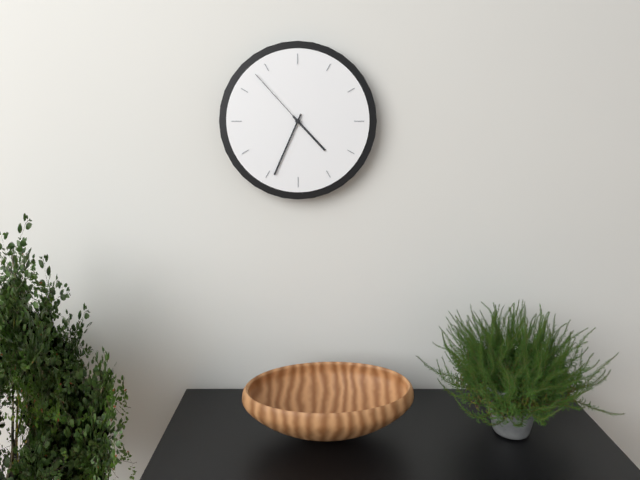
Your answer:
**4:34:53**
